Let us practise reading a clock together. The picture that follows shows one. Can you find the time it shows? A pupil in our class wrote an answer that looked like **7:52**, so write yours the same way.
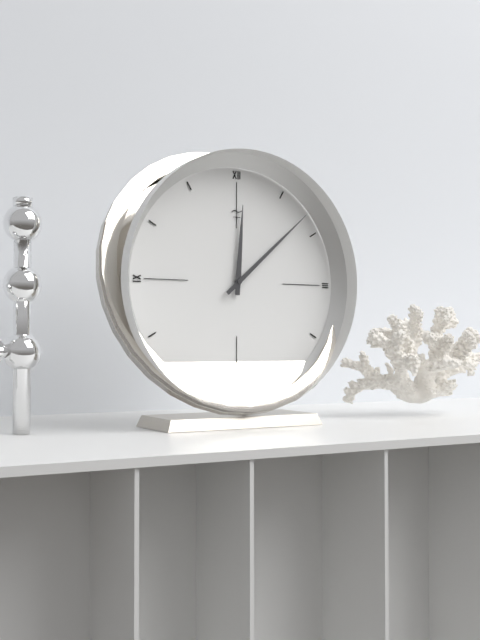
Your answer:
**12:08**
